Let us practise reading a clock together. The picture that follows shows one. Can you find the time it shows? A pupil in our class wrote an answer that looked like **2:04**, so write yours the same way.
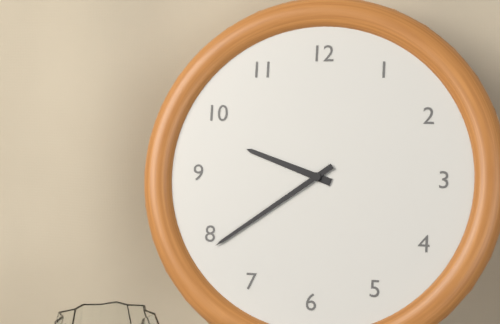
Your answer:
**9:39**
